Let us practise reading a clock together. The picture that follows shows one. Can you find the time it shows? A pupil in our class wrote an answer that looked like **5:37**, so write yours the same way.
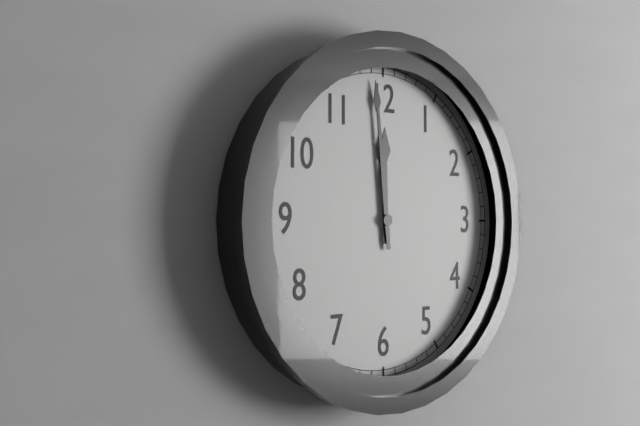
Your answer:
**11:59**
